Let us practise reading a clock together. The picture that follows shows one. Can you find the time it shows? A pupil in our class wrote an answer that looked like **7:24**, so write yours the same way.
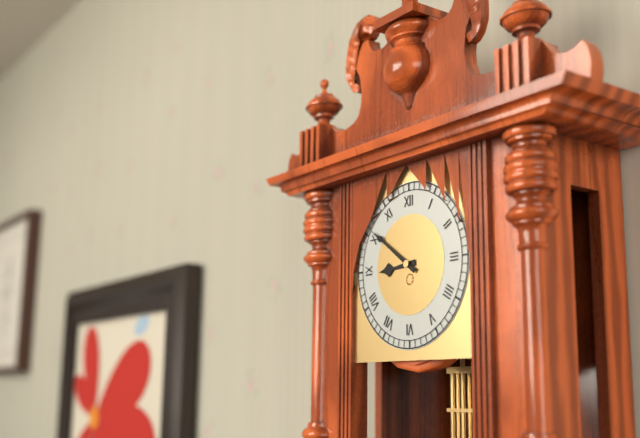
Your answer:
**8:51**
